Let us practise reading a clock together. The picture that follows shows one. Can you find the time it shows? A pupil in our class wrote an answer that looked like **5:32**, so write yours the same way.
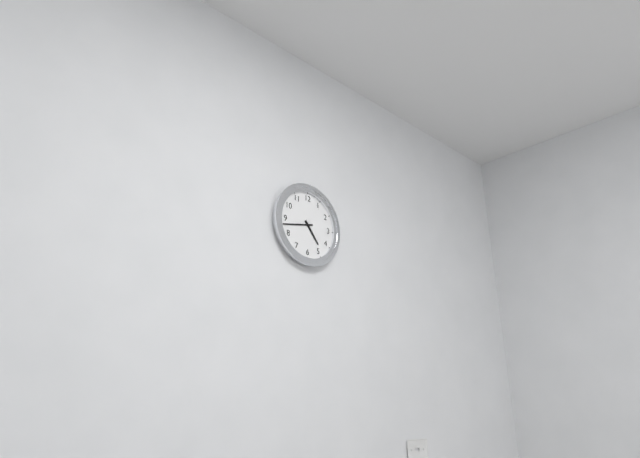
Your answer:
**4:43**
